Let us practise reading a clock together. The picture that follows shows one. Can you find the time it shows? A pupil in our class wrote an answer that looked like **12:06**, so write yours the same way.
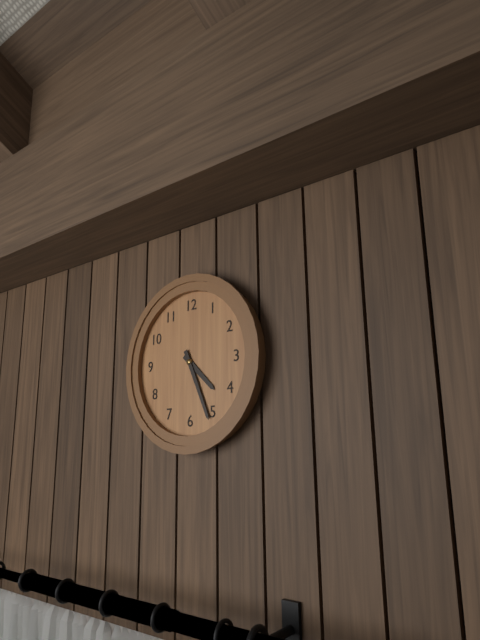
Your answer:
**4:26**
